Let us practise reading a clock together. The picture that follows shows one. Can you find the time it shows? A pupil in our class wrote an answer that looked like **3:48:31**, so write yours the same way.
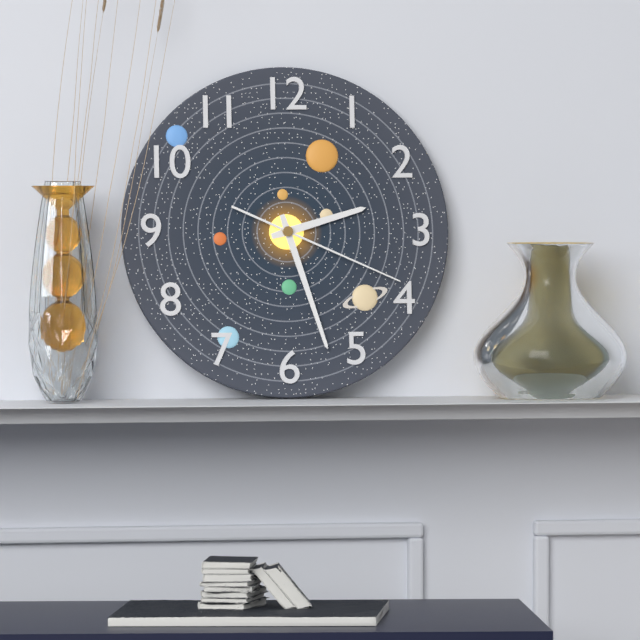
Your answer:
**2:27:19**
